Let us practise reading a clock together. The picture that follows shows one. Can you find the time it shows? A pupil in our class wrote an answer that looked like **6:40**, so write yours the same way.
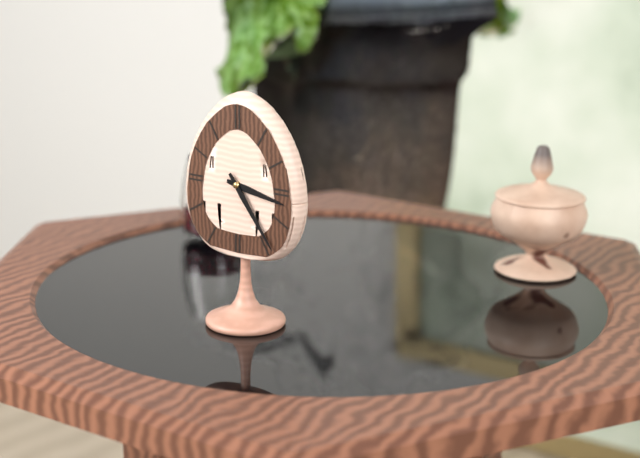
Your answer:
**3:24**
